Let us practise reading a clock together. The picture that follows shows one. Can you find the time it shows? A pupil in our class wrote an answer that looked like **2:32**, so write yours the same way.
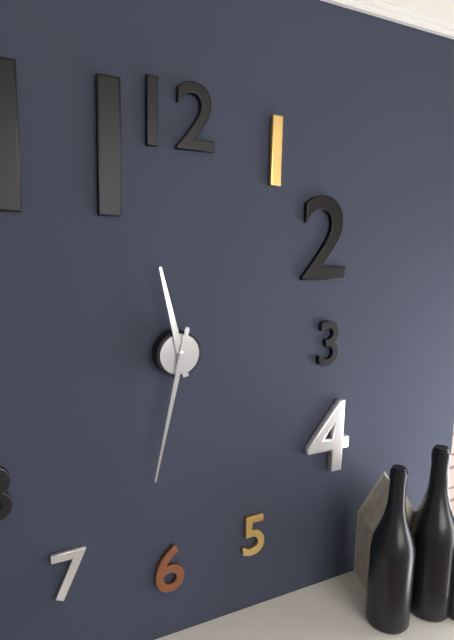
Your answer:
**11:32**
